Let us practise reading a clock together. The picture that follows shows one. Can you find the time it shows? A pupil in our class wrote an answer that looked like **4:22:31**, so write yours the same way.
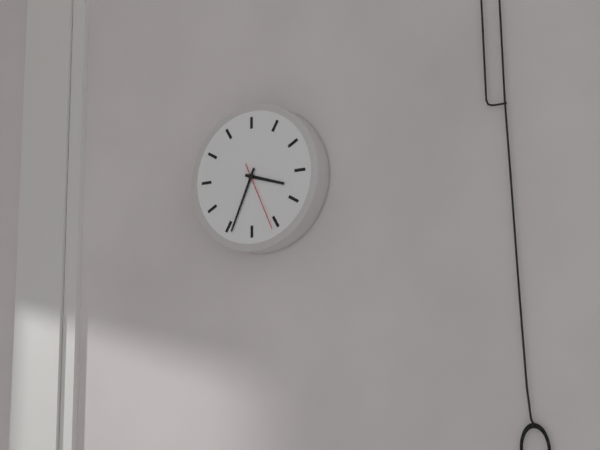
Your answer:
**3:34:26**
